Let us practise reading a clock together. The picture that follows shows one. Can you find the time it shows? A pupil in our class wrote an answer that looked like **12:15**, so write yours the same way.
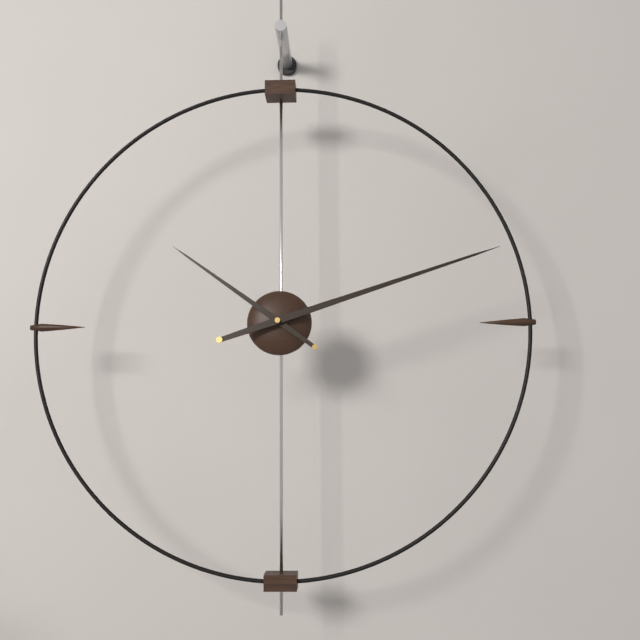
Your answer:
**10:12**
